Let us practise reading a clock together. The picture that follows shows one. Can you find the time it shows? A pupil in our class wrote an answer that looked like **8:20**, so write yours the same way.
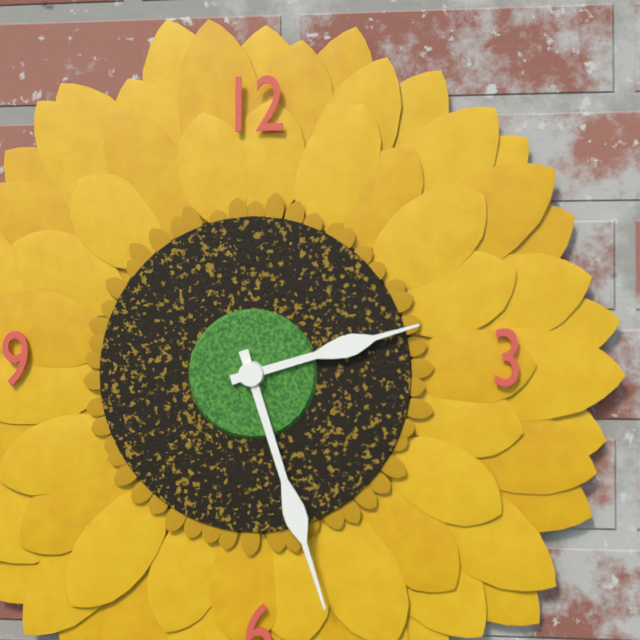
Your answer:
**2:27**
